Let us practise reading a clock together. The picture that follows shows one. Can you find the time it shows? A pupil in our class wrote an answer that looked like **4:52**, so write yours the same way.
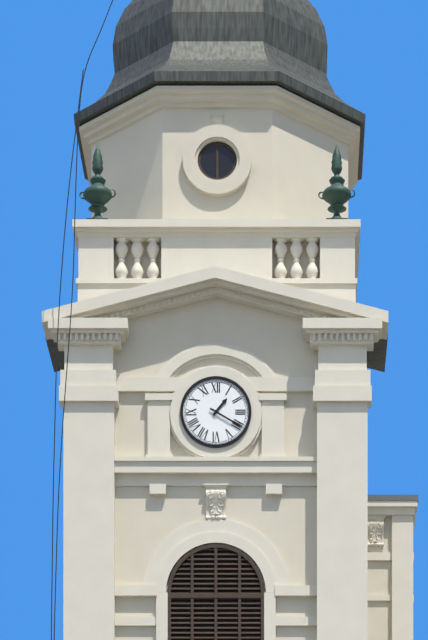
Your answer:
**1:20**
